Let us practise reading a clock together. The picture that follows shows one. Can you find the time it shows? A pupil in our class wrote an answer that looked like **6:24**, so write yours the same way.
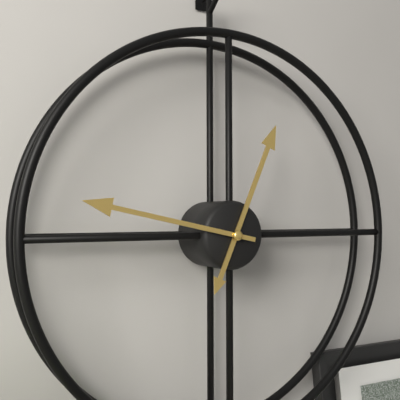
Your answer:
**12:47**
